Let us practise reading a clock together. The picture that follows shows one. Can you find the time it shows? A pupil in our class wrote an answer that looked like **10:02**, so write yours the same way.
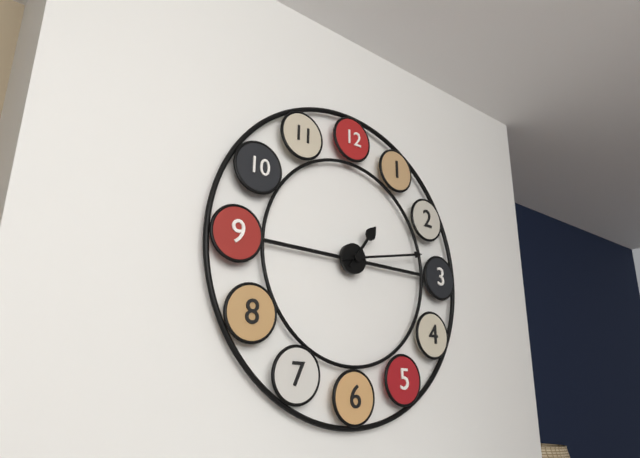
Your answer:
**1:13**
